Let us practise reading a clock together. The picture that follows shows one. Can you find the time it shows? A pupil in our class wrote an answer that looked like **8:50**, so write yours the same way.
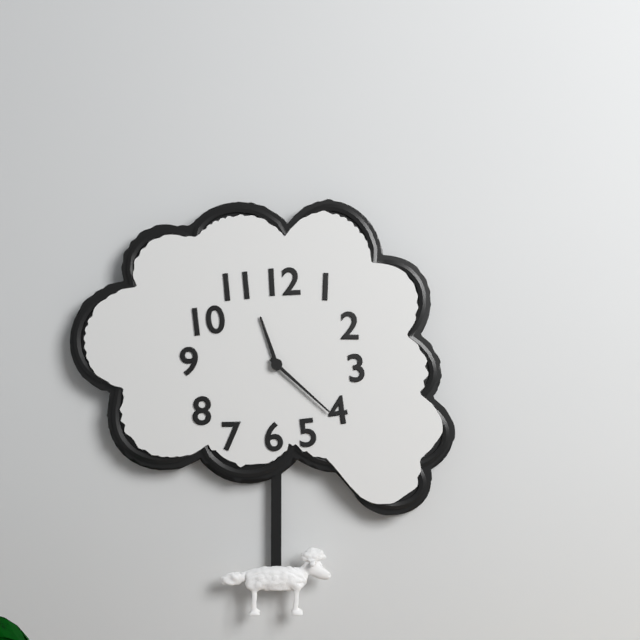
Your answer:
**11:22**
